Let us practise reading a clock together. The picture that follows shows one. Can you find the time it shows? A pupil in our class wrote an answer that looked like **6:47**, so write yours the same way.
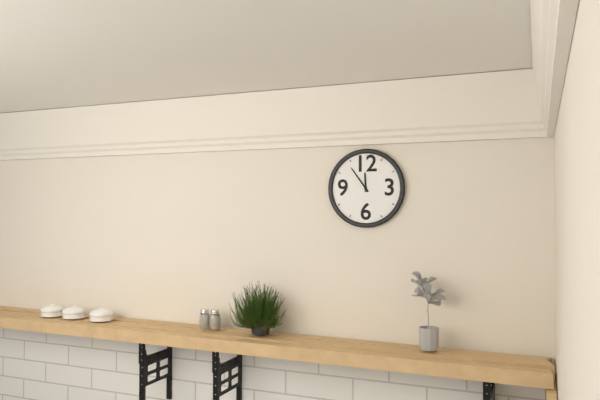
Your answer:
**11:54**
